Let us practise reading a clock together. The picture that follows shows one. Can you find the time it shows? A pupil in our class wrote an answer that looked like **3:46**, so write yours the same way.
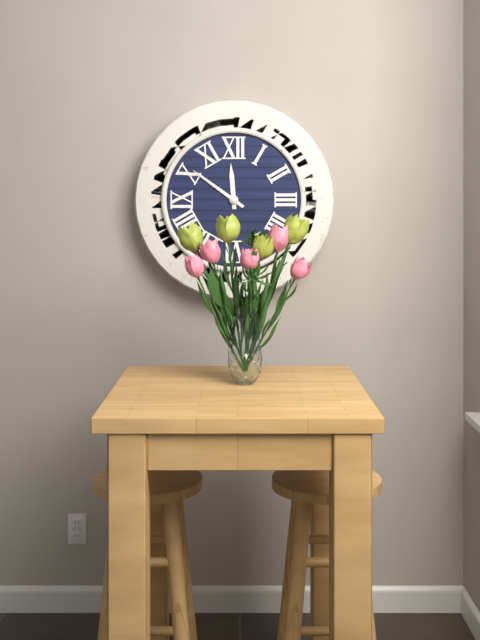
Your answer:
**11:51**
